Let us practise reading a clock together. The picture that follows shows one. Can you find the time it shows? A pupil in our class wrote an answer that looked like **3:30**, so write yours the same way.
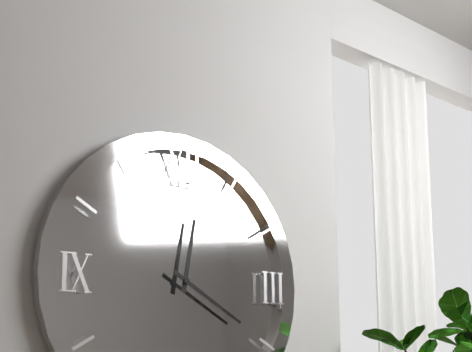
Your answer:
**12:20**
